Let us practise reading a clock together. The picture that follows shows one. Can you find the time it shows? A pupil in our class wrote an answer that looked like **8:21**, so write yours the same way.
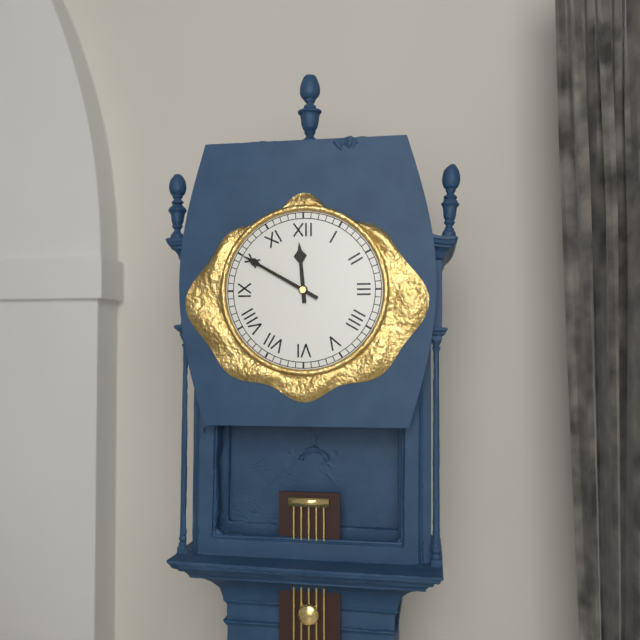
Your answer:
**11:50**
